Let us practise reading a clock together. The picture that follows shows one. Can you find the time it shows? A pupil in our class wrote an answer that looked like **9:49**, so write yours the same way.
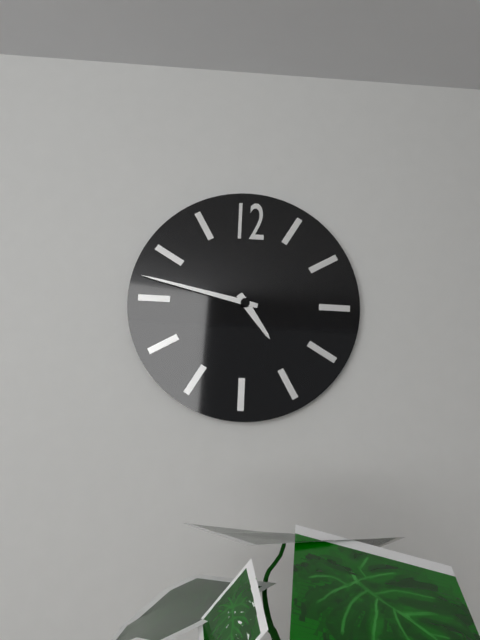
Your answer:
**4:47**
